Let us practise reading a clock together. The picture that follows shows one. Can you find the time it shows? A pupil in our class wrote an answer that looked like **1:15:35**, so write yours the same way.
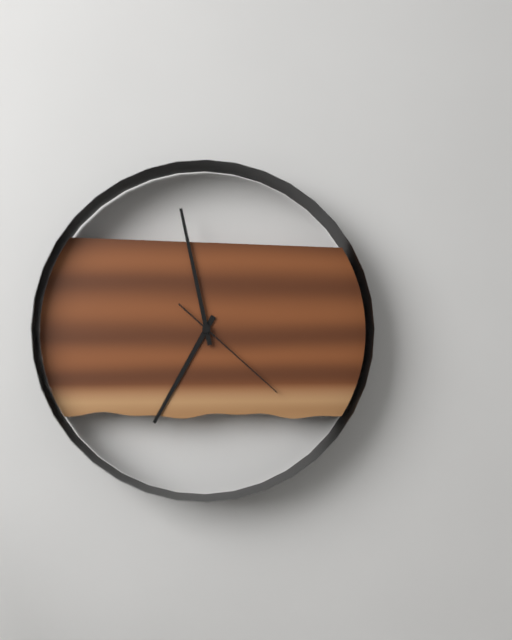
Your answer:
**6:58:22**
